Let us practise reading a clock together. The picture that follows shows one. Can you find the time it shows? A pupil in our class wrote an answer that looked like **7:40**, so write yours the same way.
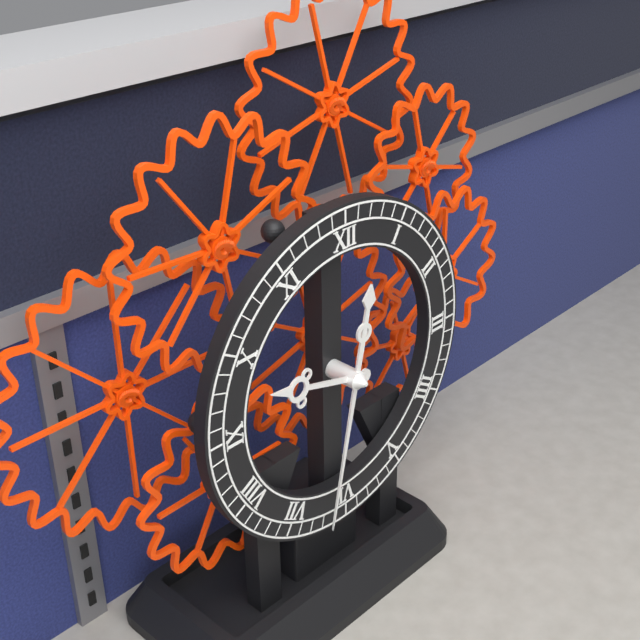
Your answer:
**9:32**
